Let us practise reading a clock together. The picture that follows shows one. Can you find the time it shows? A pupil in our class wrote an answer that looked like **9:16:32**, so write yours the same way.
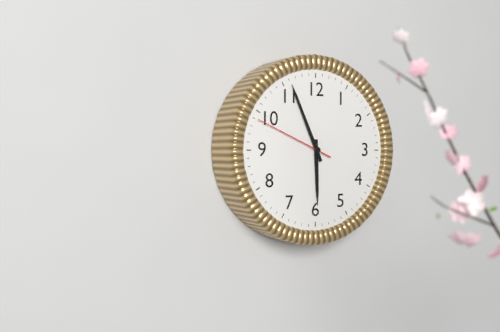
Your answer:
**5:56:49**
